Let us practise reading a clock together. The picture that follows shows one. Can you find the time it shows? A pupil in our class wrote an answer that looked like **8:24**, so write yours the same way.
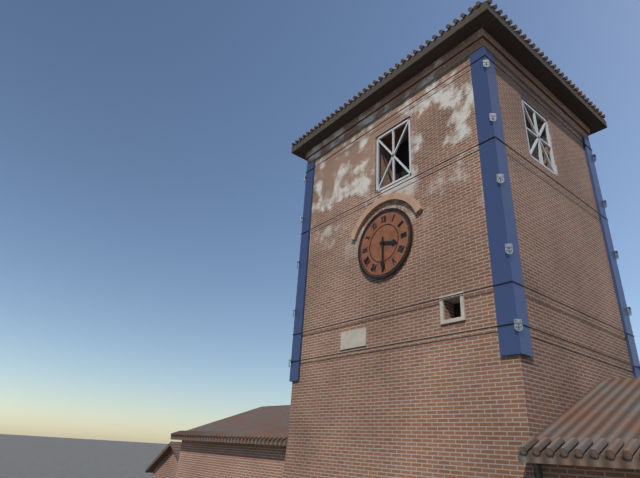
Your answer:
**3:30**
